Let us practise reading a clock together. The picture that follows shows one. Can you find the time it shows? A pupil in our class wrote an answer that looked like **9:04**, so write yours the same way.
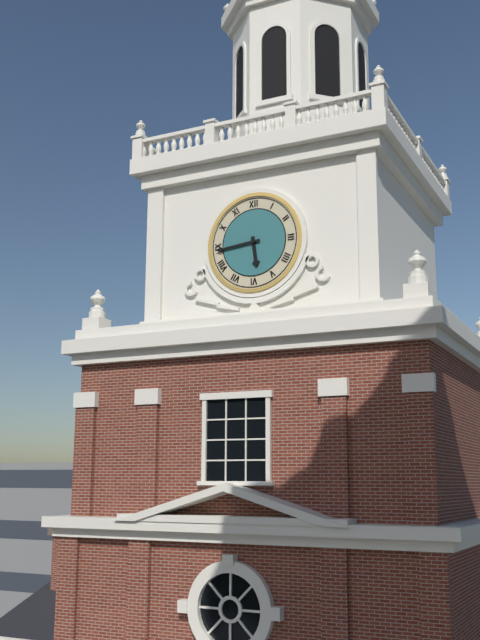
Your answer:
**5:44**
